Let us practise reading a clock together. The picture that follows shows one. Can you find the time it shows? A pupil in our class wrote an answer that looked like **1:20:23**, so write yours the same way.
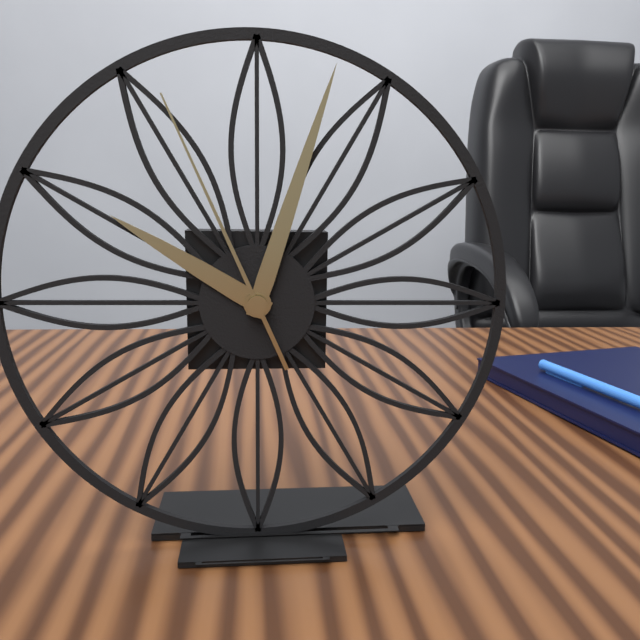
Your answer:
**10:03:56**
